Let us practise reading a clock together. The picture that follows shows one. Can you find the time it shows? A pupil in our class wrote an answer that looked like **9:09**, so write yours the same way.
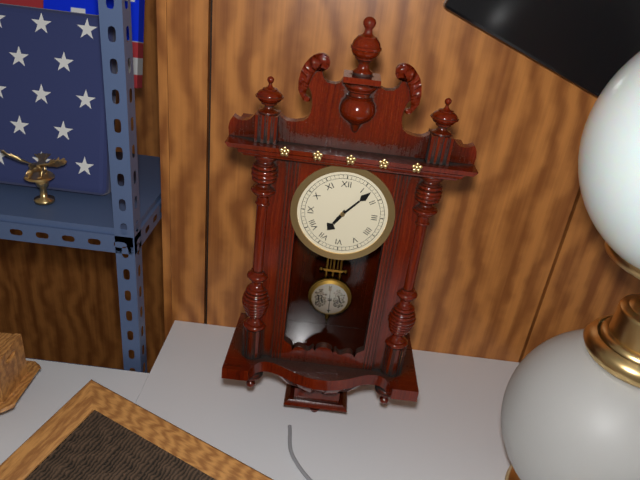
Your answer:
**7:07**
